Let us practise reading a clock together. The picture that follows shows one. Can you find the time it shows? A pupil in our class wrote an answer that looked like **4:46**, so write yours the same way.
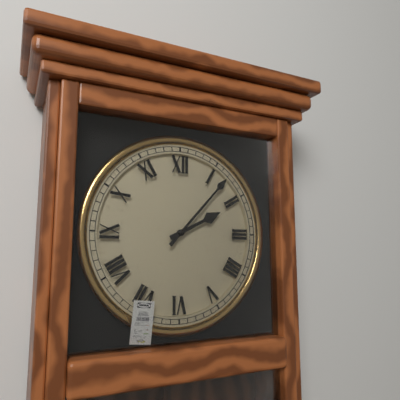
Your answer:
**2:07**
